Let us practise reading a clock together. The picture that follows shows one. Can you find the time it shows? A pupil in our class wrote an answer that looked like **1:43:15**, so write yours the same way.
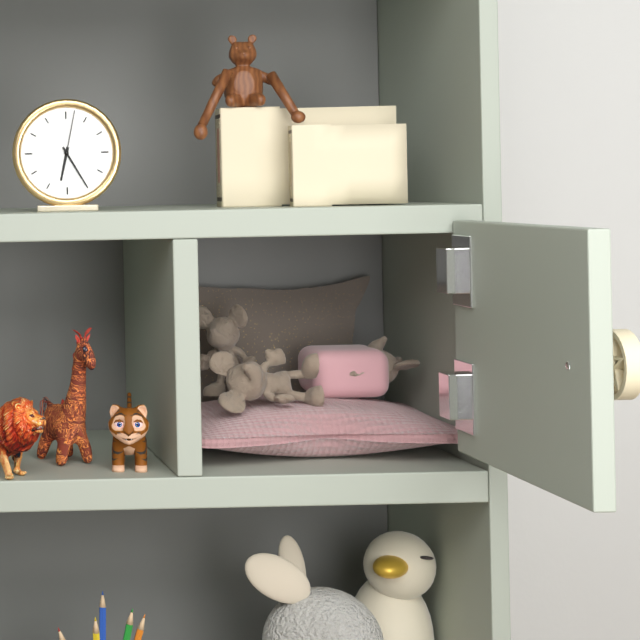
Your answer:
**6:25:02**
